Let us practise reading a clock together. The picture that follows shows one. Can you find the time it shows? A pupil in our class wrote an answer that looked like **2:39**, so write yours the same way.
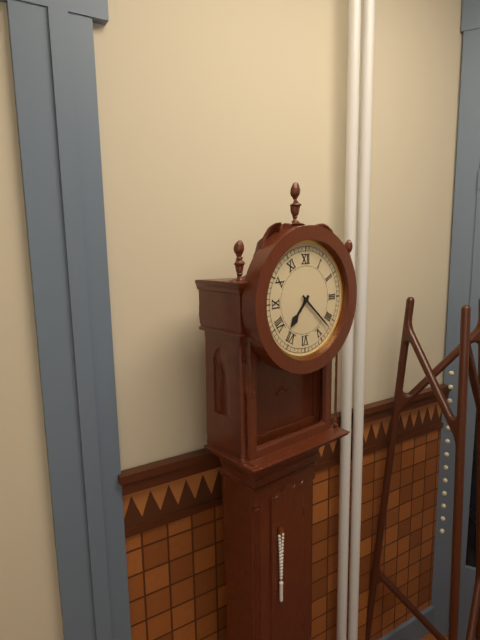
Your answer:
**7:22**
